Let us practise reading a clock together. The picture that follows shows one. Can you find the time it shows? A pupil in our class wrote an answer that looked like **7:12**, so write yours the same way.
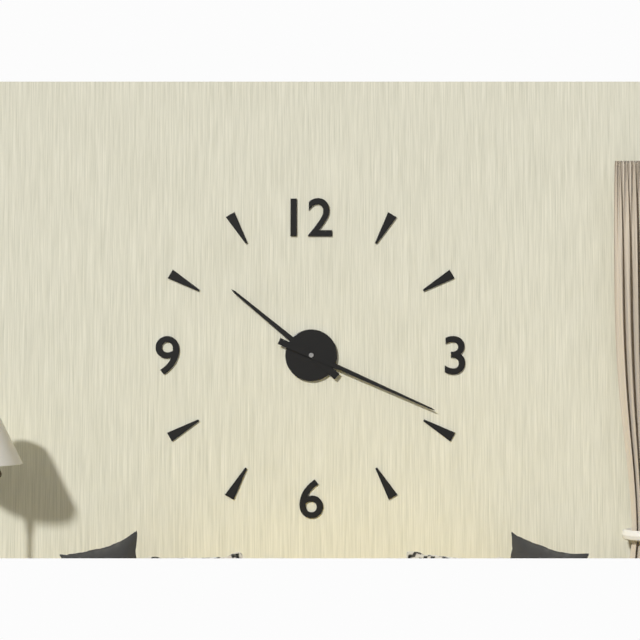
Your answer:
**10:19**
